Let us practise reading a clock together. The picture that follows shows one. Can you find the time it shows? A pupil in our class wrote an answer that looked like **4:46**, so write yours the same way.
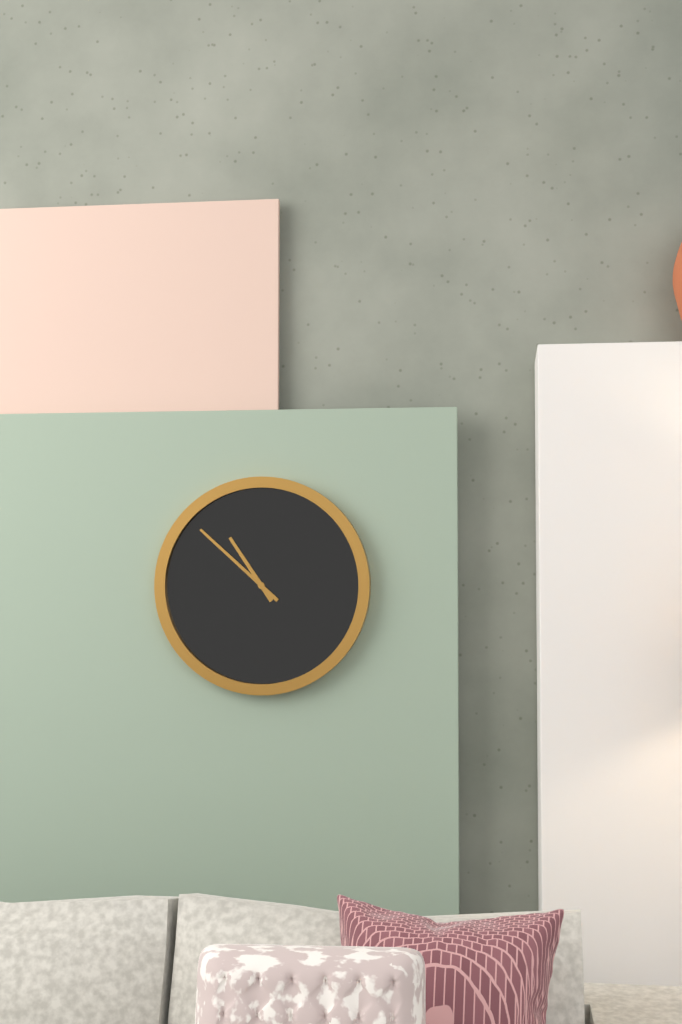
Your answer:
**10:52**
